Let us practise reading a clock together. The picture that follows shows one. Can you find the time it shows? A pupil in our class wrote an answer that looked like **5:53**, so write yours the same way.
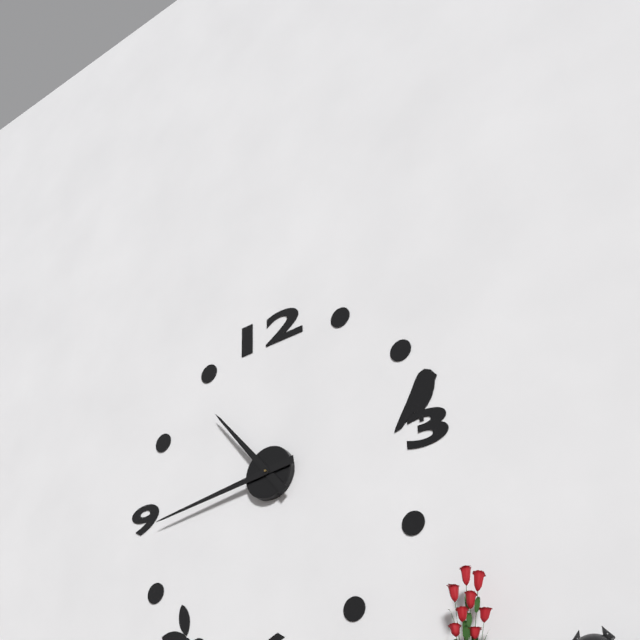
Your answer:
**10:44**
